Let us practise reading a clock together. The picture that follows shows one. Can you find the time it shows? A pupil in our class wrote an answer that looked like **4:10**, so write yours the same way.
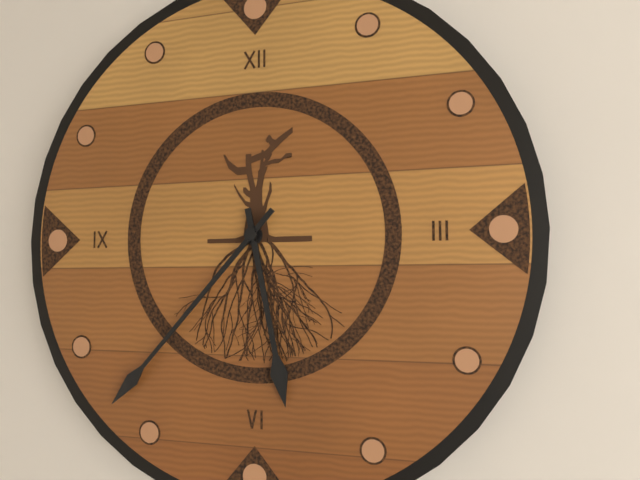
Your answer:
**5:37**
